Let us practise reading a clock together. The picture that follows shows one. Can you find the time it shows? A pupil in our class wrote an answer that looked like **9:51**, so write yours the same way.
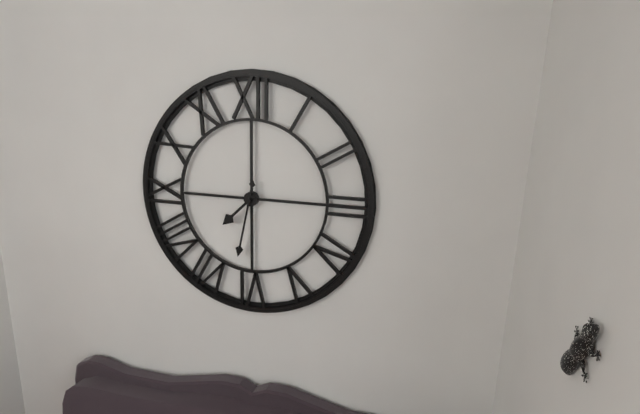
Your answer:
**7:32**
